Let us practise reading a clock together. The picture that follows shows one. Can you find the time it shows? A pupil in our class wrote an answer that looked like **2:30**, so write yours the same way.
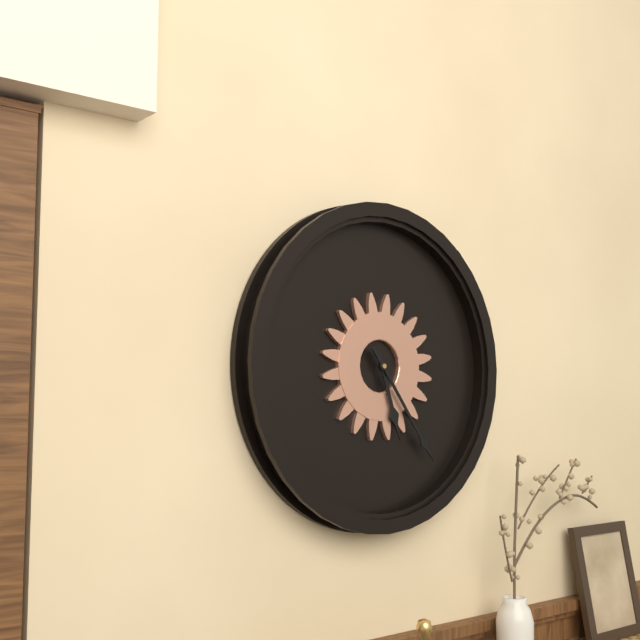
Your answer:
**5:24**
